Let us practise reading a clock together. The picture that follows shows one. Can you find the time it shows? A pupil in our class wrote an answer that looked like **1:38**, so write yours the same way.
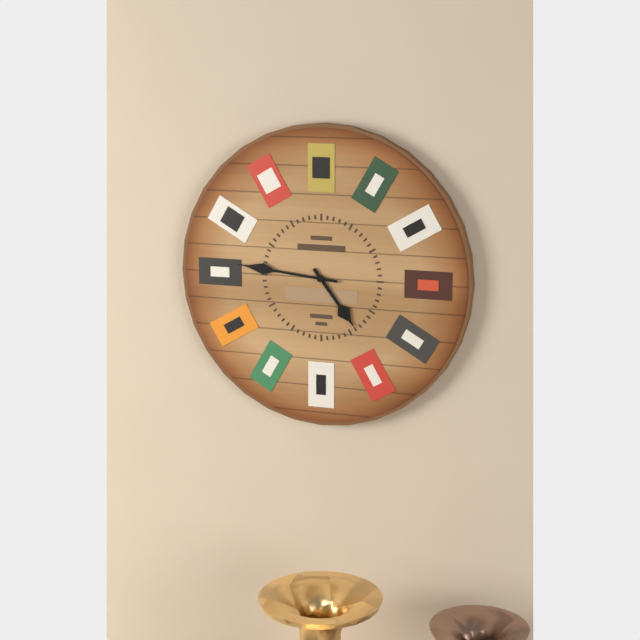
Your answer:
**4:46**
